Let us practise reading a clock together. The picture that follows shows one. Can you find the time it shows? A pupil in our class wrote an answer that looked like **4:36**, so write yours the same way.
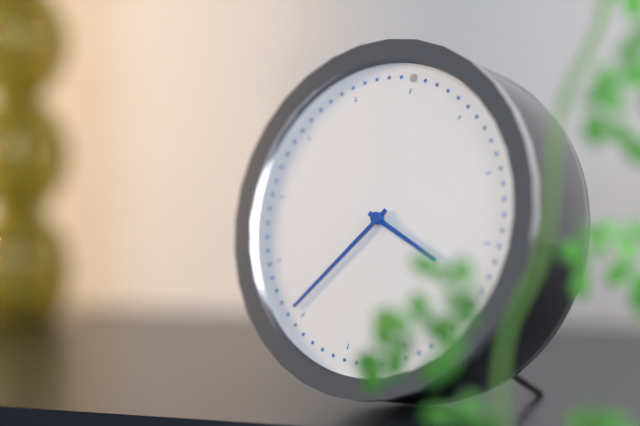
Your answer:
**3:36**
